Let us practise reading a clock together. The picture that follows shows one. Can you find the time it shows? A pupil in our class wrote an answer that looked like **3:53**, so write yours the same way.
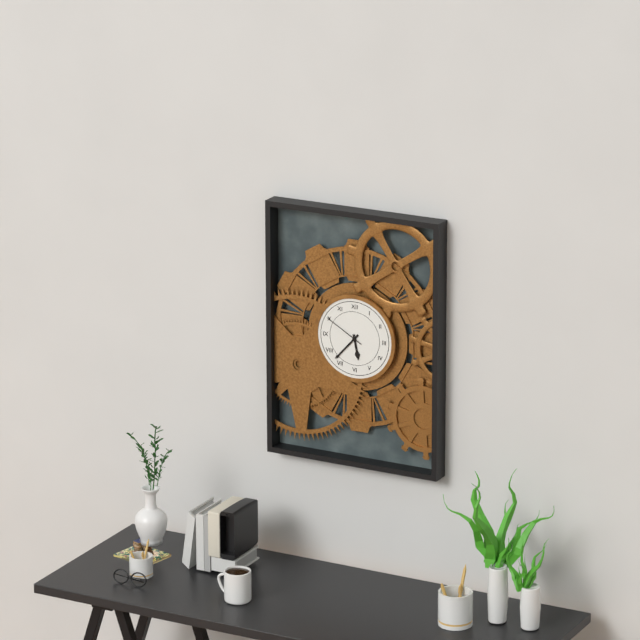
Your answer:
**5:37**
